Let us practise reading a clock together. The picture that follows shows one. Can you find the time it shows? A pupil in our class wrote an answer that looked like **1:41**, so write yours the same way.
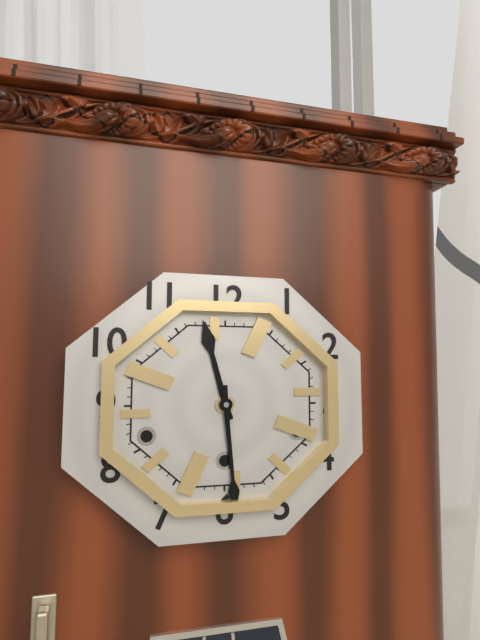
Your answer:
**11:29**
